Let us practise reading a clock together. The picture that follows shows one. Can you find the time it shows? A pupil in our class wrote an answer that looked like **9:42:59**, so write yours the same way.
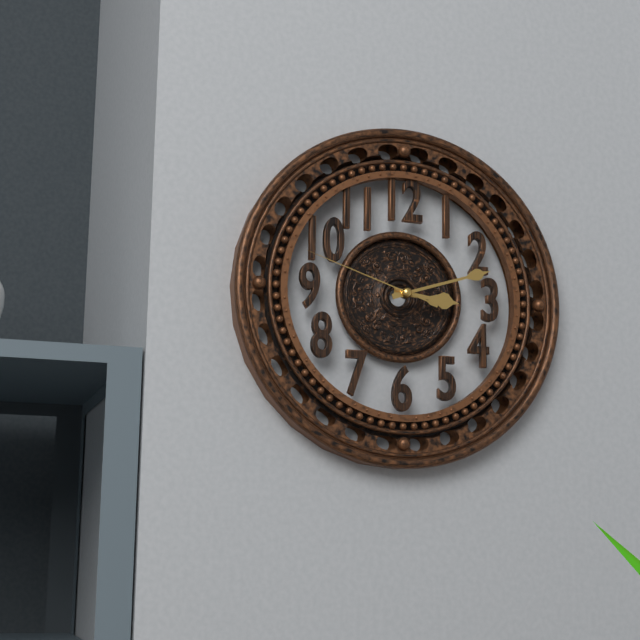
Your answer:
**3:12:48**
